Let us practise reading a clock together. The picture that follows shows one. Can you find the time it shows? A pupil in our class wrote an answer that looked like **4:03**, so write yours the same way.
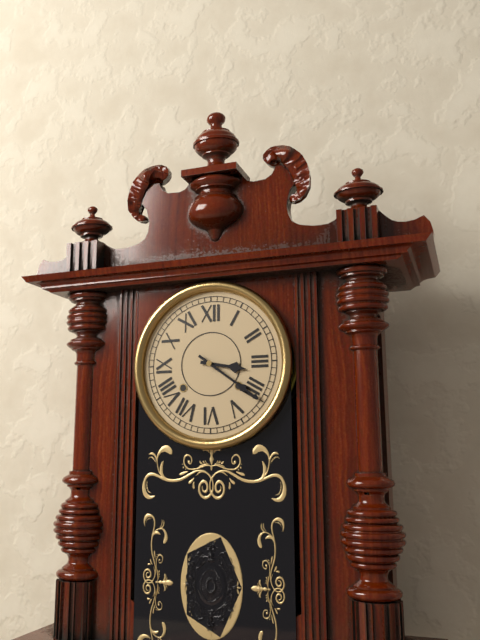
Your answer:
**3:21**
